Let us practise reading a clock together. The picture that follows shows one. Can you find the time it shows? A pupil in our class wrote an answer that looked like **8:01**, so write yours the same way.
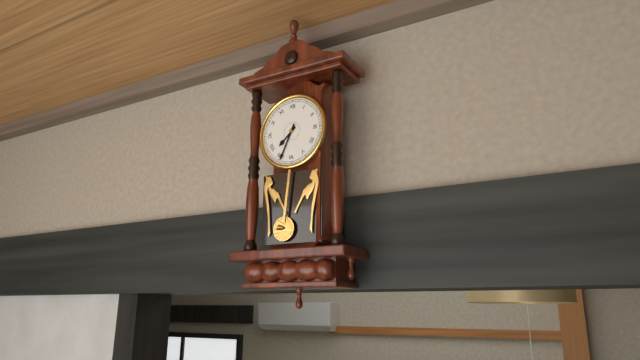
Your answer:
**7:34**
